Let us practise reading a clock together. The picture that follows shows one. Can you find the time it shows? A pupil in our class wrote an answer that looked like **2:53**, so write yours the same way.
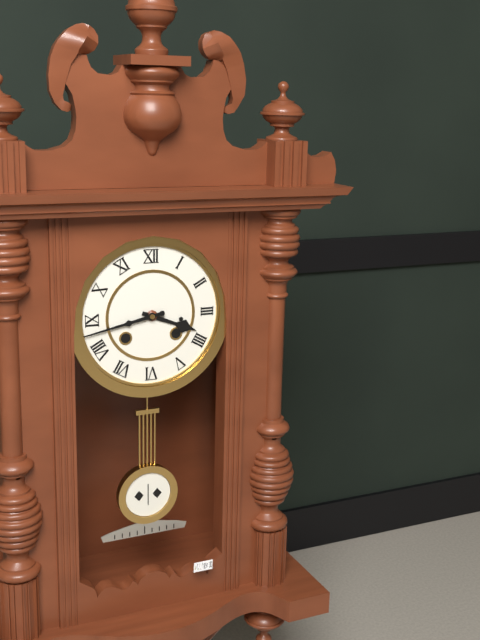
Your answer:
**3:43**
